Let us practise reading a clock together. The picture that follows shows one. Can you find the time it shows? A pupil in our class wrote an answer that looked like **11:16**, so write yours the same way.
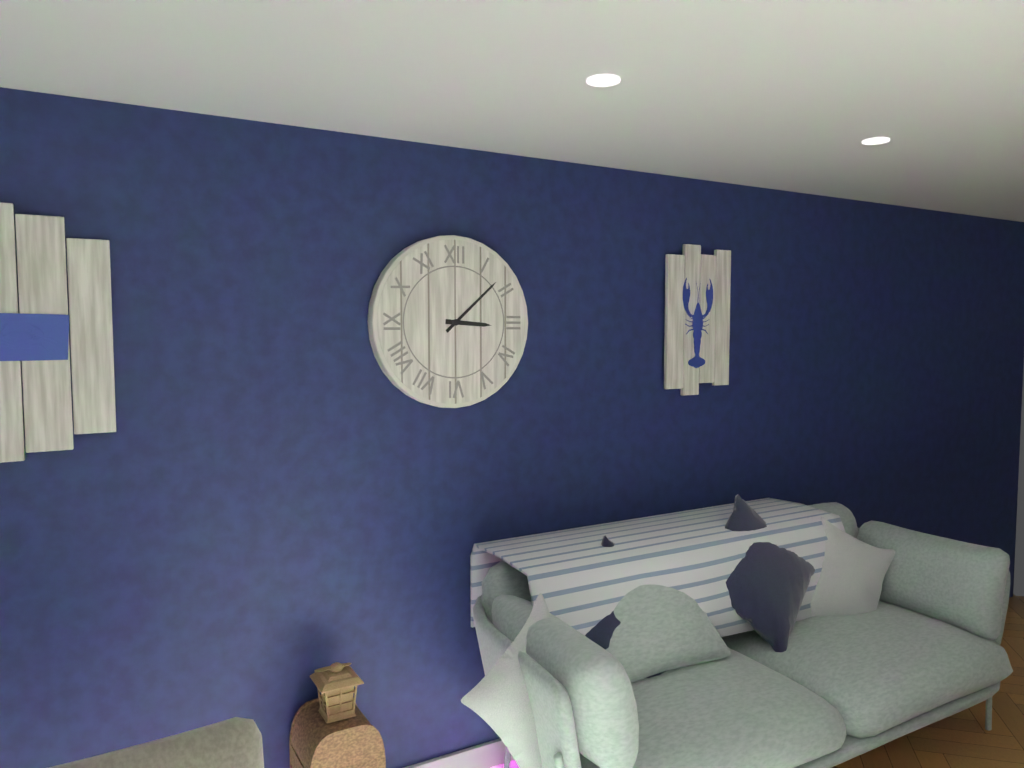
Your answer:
**3:08**
